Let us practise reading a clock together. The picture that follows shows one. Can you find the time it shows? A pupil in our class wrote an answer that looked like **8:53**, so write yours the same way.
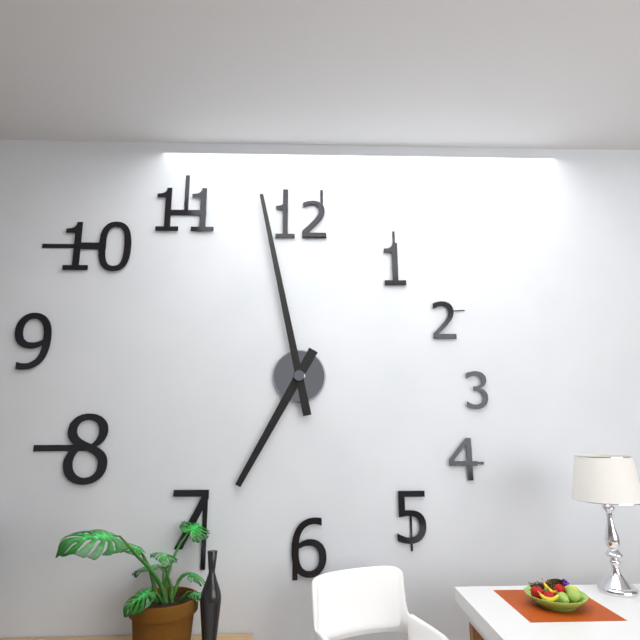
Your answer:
**6:58**
